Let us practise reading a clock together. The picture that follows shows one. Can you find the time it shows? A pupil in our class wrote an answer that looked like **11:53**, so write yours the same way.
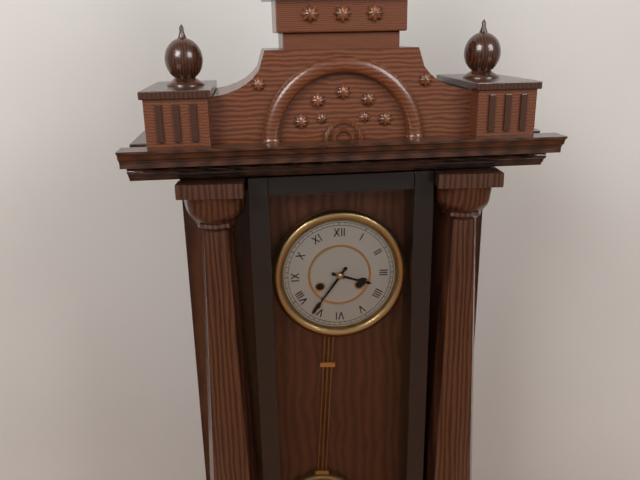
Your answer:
**3:36**
